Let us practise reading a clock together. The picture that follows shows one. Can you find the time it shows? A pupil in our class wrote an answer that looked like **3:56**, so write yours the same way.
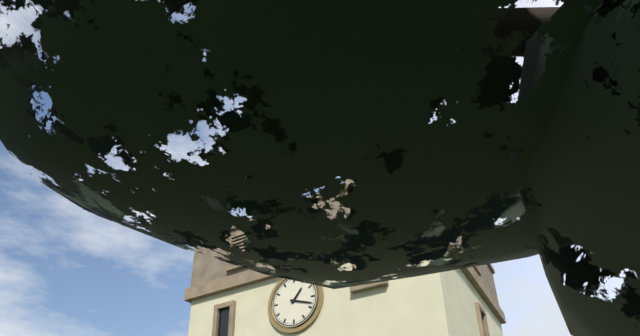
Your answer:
**1:18**
